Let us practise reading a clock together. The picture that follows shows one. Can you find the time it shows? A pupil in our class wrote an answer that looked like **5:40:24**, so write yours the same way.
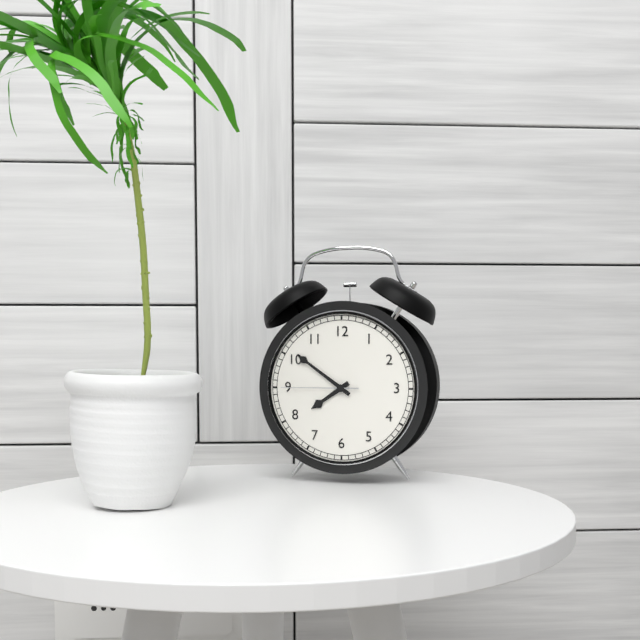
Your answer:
**7:51:45**
